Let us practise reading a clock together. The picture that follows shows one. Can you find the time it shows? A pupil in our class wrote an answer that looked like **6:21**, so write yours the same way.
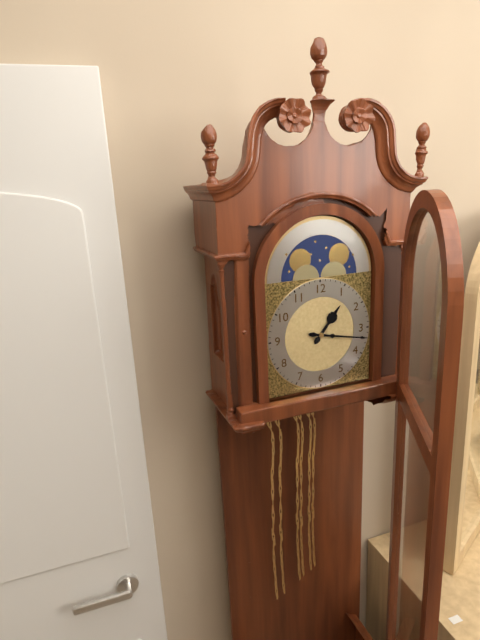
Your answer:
**1:17**
